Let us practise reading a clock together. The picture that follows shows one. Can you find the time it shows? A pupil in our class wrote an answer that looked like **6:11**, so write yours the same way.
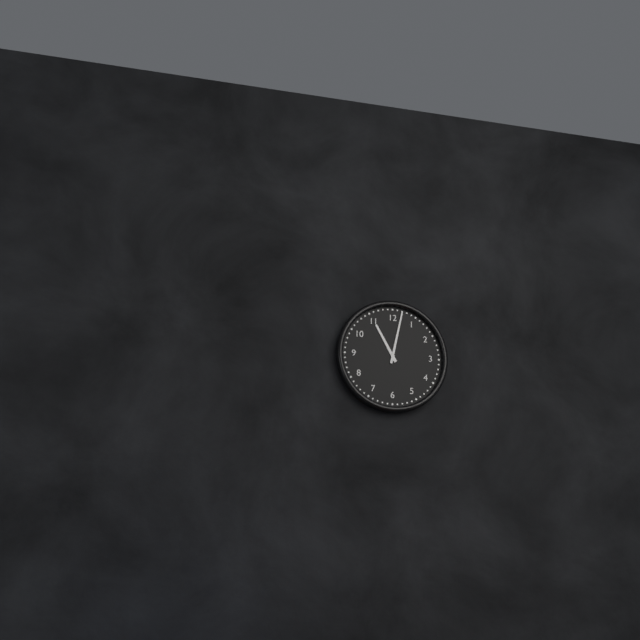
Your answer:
**11:02**
